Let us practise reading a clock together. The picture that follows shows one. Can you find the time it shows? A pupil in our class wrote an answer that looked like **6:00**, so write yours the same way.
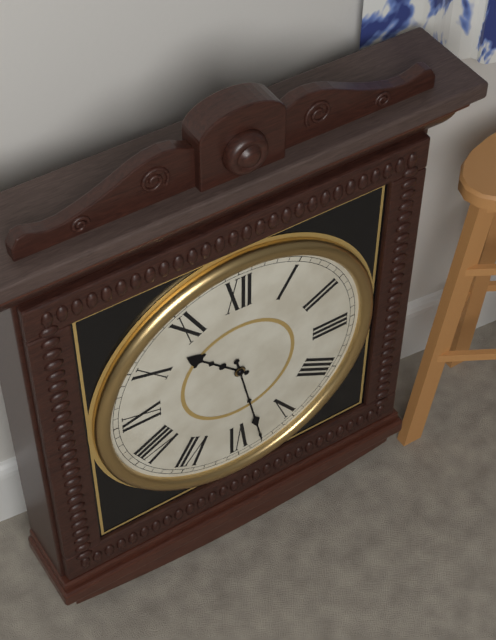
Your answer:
**10:28**
